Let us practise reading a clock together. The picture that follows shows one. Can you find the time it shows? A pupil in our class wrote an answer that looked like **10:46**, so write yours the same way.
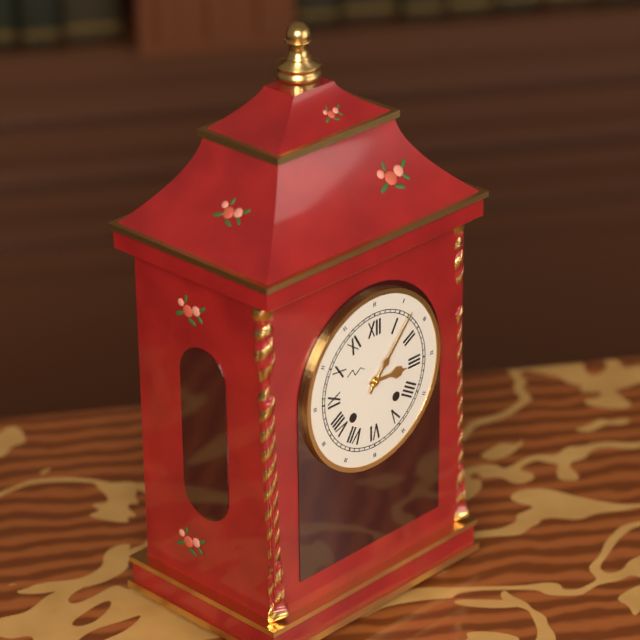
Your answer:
**3:07**
